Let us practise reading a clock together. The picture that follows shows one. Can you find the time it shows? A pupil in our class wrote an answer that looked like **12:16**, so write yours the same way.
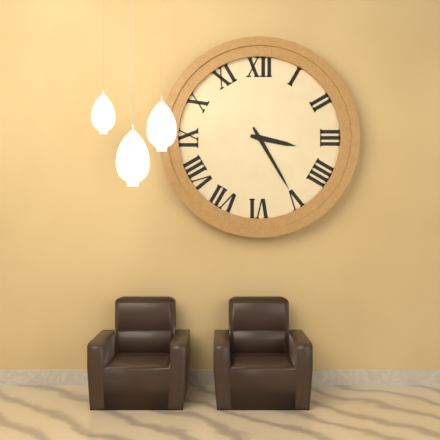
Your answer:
**3:25**
